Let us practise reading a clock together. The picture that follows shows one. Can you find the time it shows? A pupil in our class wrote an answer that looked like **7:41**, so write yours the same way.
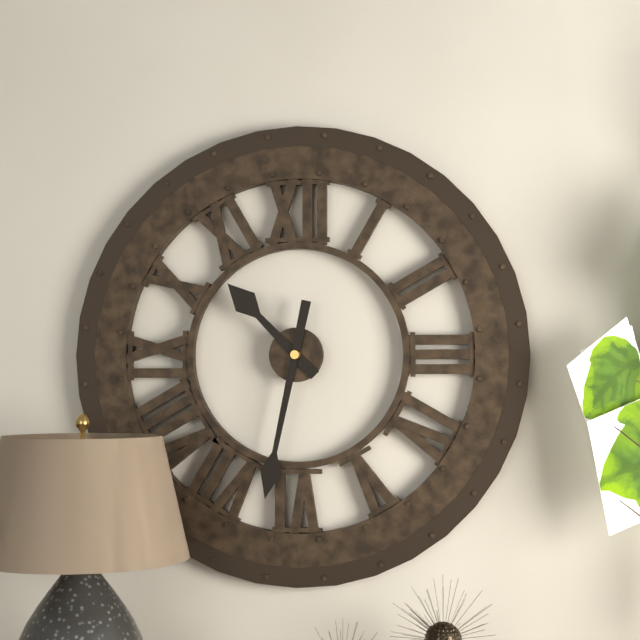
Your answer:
**10:32**
